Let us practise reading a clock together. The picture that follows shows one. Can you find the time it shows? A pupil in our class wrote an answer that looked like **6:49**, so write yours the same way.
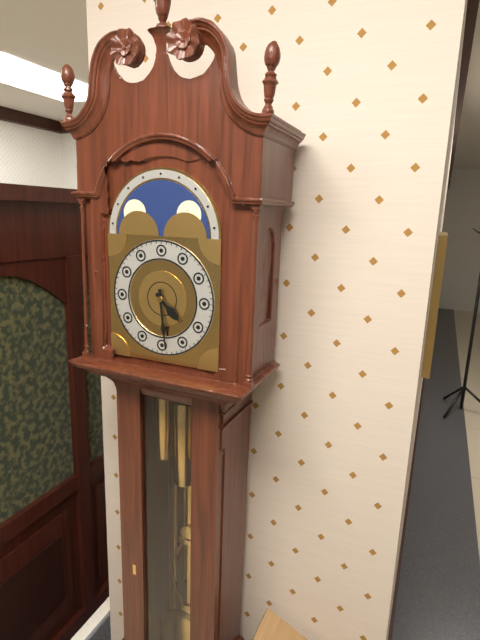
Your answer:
**4:29**
